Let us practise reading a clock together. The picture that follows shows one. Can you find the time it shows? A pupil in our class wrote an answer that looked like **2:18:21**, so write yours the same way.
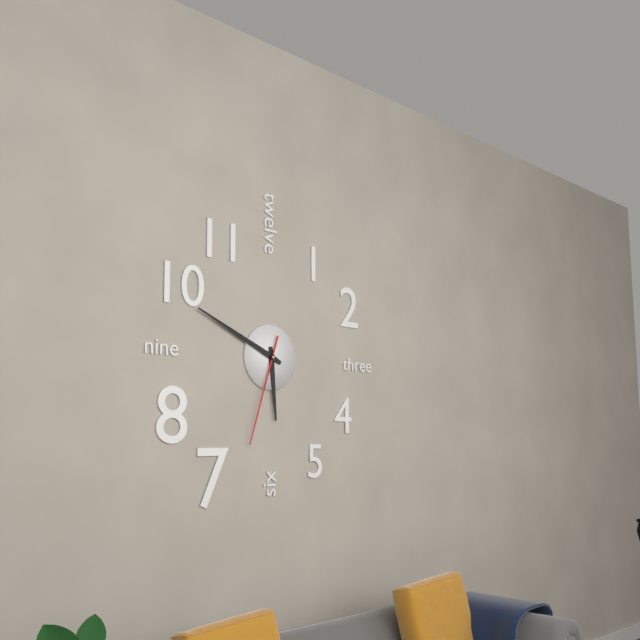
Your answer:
**5:49:33**
